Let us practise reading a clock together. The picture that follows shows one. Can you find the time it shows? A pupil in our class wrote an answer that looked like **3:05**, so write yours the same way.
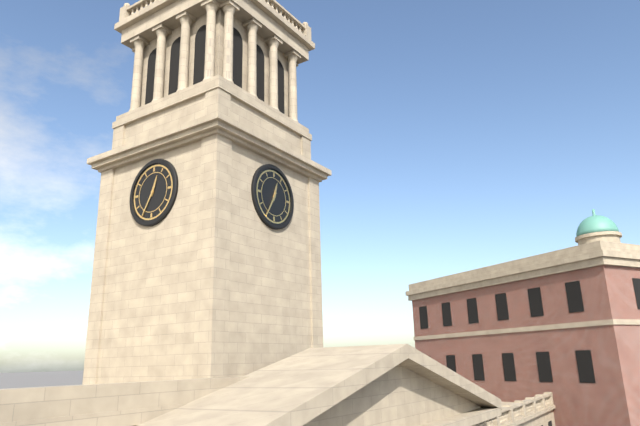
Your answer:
**12:35**
